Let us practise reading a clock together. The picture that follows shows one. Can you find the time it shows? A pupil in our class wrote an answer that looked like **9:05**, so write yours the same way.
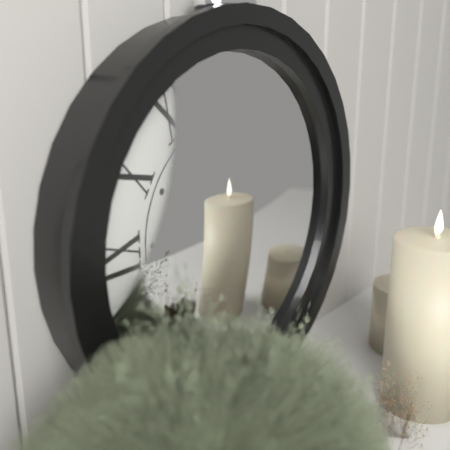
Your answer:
**4:16**
